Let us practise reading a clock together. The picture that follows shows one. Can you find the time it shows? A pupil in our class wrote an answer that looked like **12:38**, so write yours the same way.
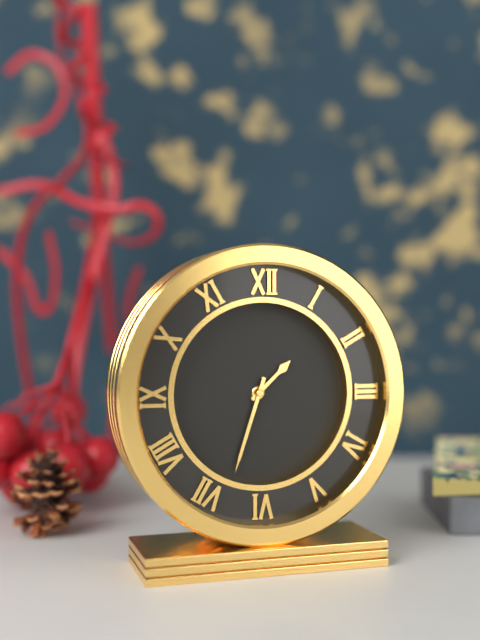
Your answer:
**1:33**
